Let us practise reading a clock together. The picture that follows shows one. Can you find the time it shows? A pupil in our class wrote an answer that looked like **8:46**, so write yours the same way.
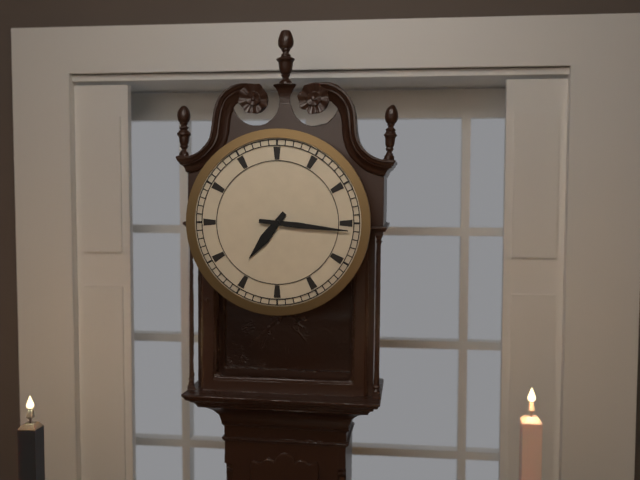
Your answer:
**7:16**
